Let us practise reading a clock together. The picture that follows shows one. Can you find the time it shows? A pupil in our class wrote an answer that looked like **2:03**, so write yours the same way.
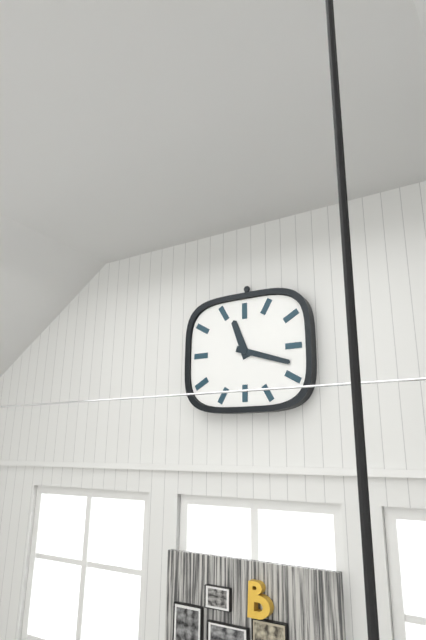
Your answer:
**11:18**
